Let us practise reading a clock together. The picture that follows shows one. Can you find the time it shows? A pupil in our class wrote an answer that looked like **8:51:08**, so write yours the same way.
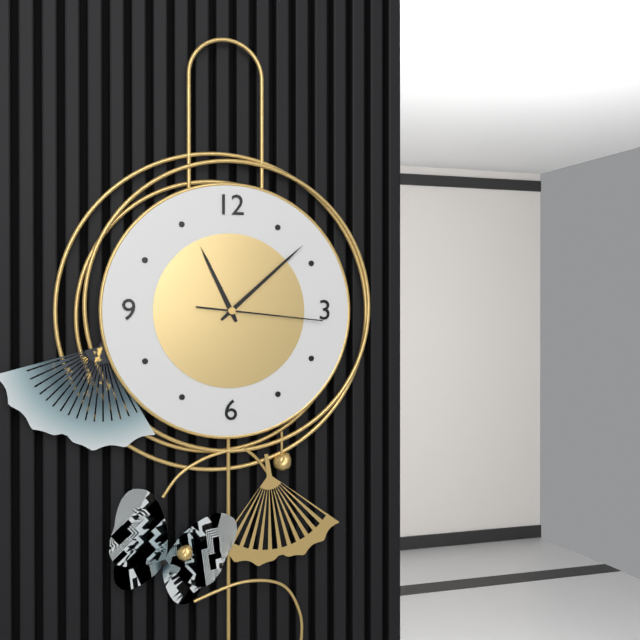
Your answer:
**11:08:16**
